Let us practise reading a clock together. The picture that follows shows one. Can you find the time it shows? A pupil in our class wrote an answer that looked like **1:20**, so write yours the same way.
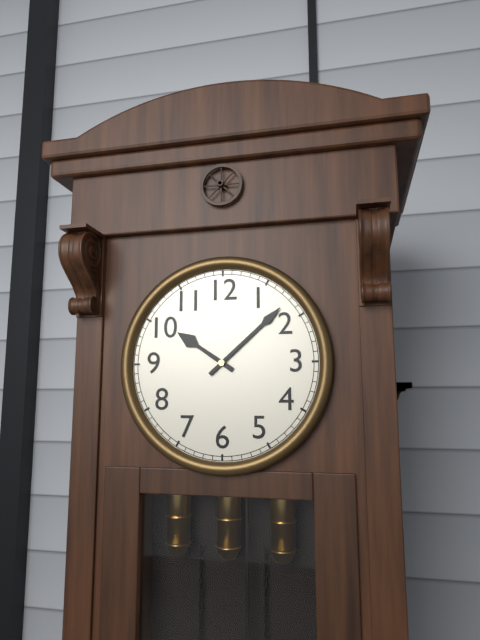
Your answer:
**10:08**
